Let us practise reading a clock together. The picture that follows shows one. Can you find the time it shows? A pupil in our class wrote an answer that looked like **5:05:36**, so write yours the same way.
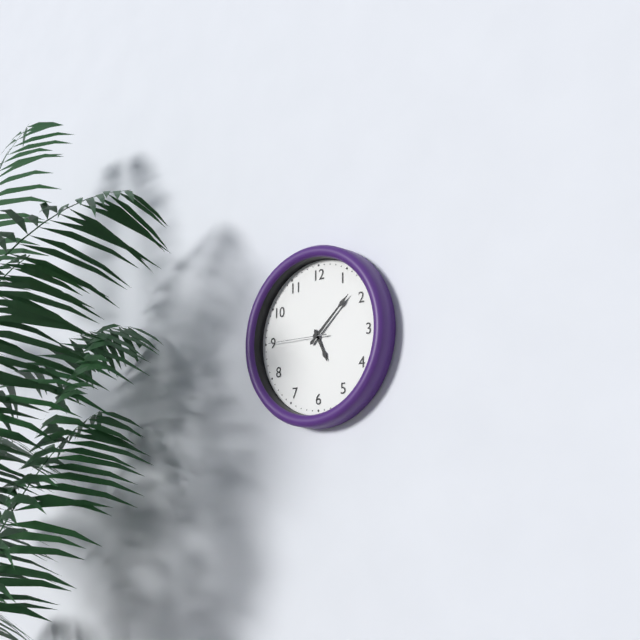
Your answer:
**5:08:45**
